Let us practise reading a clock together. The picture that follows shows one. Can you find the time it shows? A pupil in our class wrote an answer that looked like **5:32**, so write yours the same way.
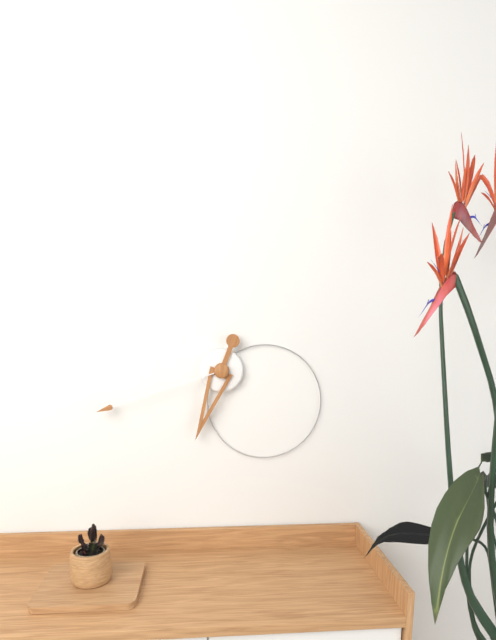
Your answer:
**6:42**
